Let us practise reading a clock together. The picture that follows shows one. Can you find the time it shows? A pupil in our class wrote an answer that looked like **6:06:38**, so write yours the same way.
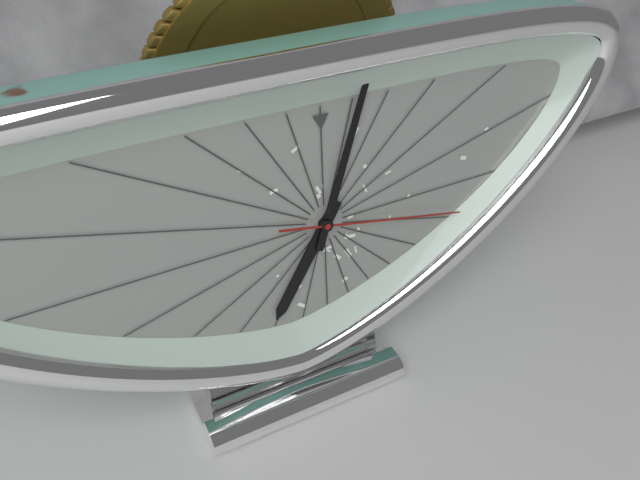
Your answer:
**7:03:17**
